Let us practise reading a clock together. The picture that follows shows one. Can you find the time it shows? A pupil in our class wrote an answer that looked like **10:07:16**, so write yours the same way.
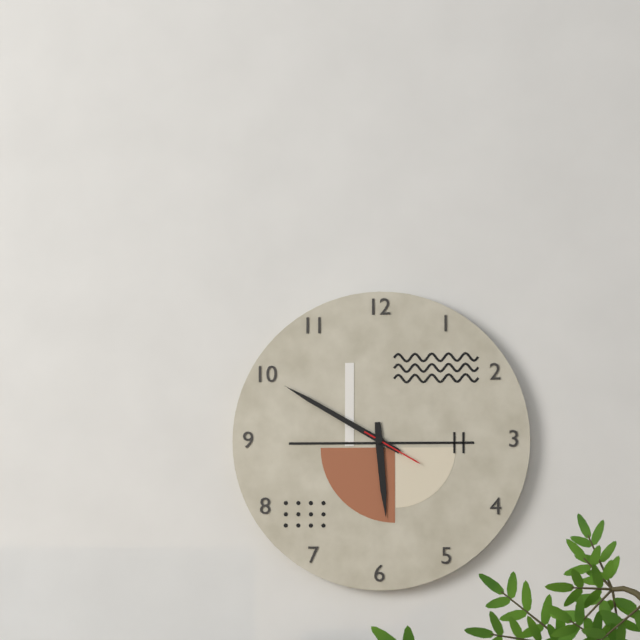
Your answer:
**5:50:20**
